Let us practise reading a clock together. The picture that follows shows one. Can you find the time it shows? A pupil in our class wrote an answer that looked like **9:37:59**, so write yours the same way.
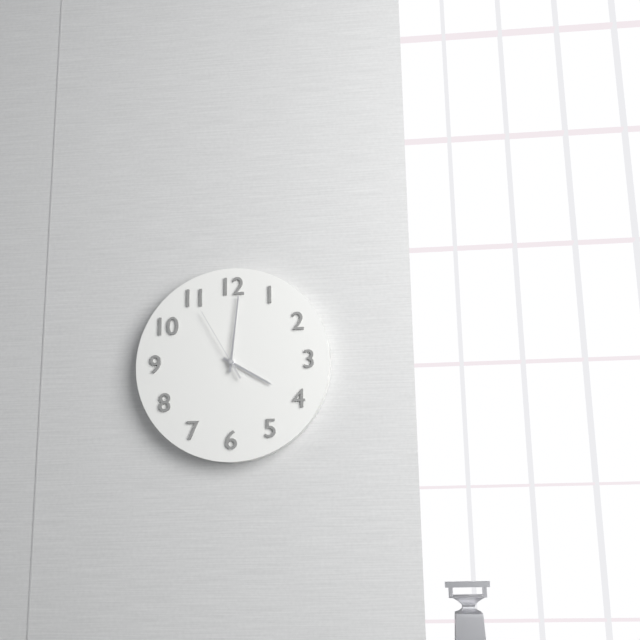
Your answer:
**4:01:55**
